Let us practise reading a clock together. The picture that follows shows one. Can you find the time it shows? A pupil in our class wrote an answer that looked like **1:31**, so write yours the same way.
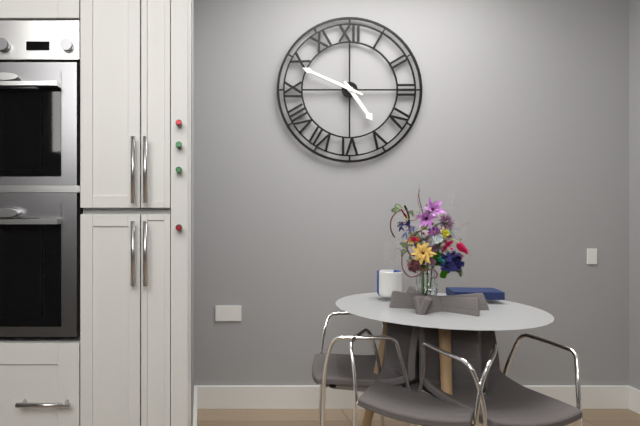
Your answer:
**4:49**
